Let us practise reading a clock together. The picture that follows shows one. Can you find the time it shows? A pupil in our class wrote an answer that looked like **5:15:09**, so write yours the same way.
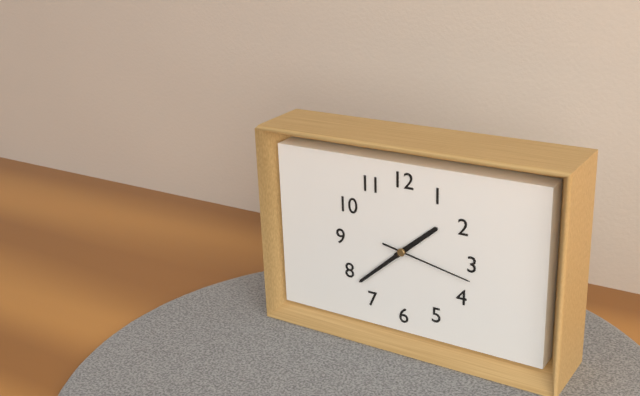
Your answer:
**1:38:17**
